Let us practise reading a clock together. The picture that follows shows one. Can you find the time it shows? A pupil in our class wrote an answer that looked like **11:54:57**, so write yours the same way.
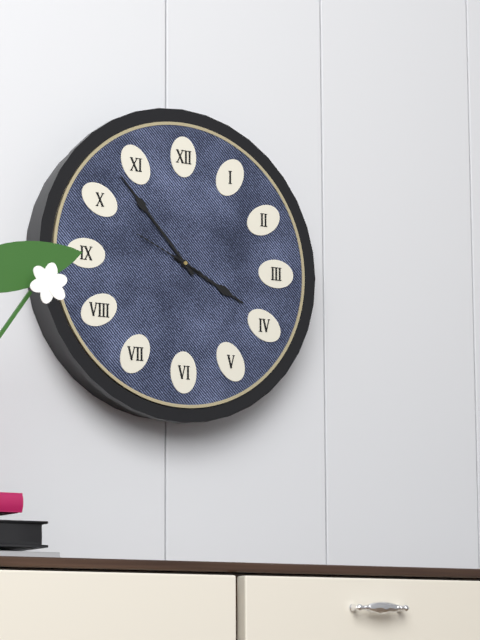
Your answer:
**3:53:49**
